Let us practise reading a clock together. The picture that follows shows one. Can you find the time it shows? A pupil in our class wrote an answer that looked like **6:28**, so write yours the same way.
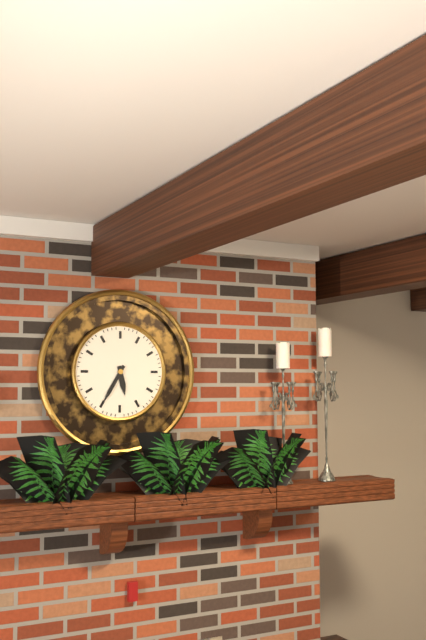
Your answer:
**5:35**
